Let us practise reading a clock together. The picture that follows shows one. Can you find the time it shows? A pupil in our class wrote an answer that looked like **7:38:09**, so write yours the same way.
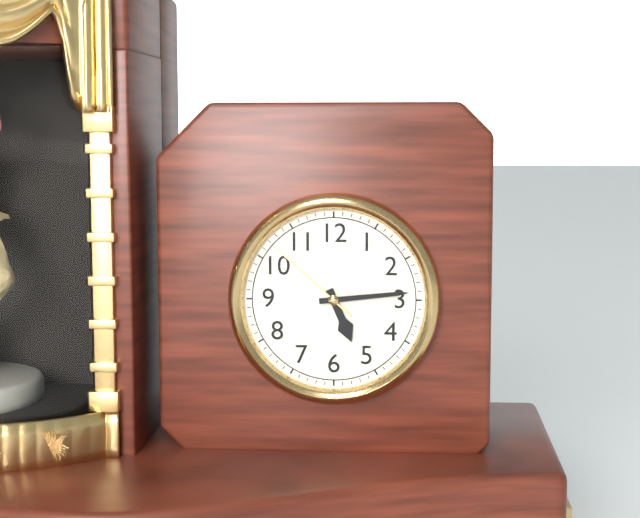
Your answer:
**5:14:52**
